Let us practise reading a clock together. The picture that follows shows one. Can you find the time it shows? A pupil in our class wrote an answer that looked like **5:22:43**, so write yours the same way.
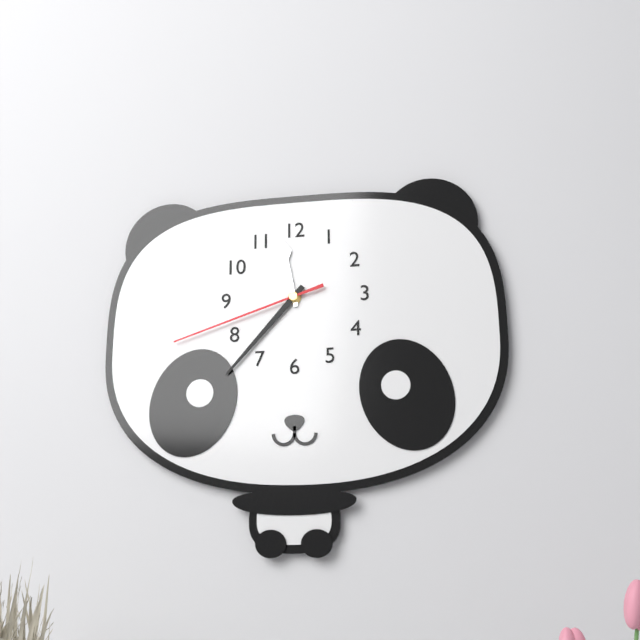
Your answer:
**11:37:42**
